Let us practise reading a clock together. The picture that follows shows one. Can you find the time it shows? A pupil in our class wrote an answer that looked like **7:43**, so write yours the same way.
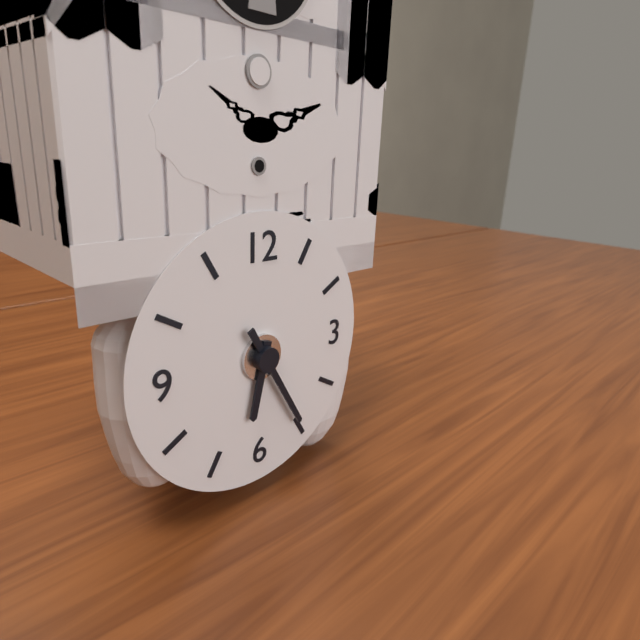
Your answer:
**6:25**
